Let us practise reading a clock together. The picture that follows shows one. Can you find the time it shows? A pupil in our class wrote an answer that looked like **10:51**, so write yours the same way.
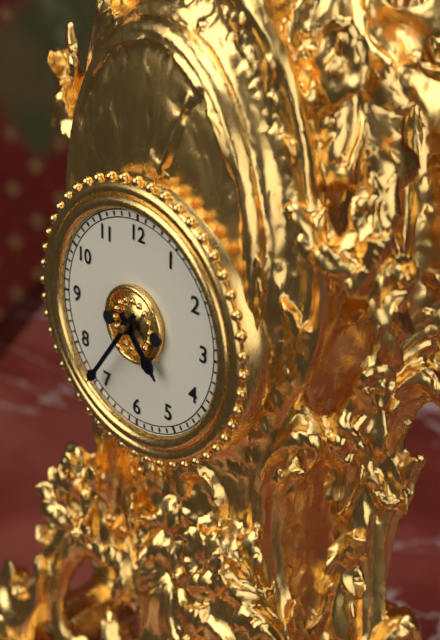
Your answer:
**4:36**
